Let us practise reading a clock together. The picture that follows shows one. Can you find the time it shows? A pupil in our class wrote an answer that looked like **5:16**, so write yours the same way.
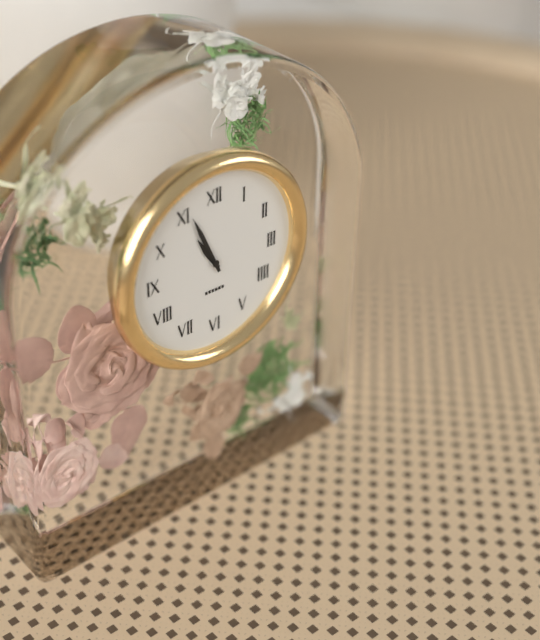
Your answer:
**10:56**
